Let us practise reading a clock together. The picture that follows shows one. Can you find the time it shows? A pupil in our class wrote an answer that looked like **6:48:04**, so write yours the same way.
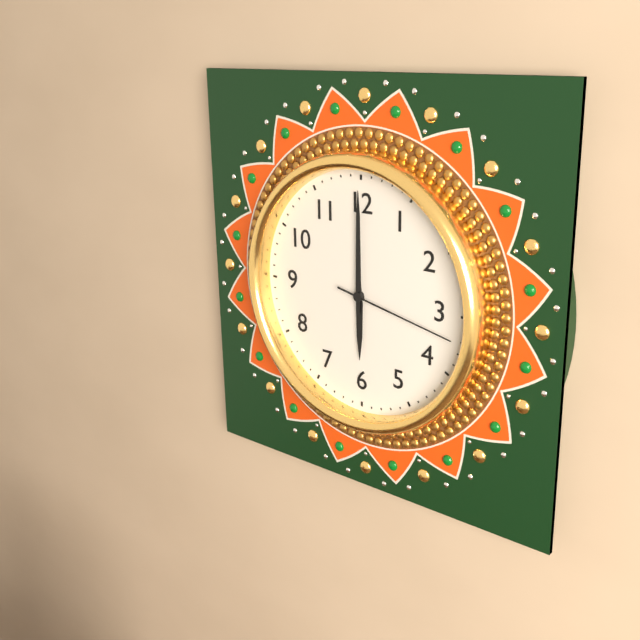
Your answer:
**6:00:17**
